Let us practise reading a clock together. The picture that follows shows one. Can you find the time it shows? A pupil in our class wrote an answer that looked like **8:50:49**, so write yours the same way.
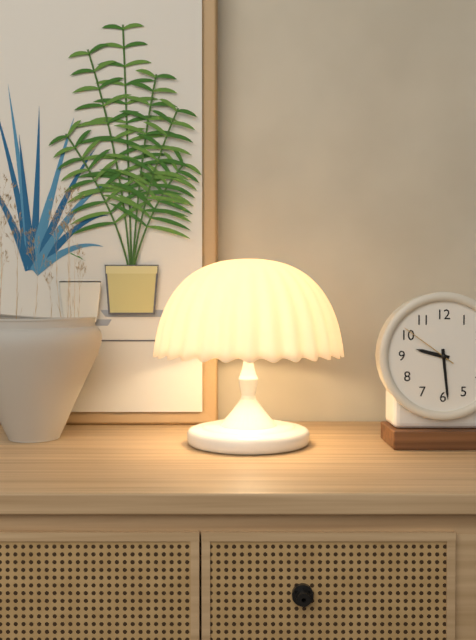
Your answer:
**9:29:51**
